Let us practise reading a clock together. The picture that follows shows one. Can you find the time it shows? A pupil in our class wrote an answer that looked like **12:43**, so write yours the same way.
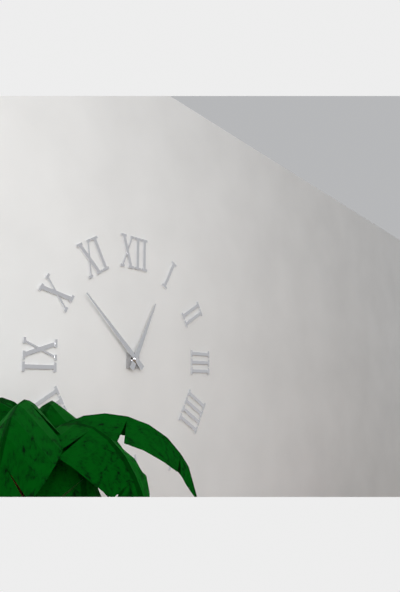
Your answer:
**12:52**
